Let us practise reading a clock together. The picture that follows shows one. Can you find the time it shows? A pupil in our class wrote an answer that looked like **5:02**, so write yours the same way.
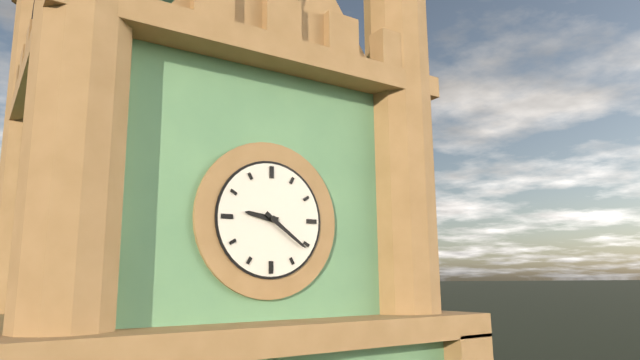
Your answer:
**9:21**
